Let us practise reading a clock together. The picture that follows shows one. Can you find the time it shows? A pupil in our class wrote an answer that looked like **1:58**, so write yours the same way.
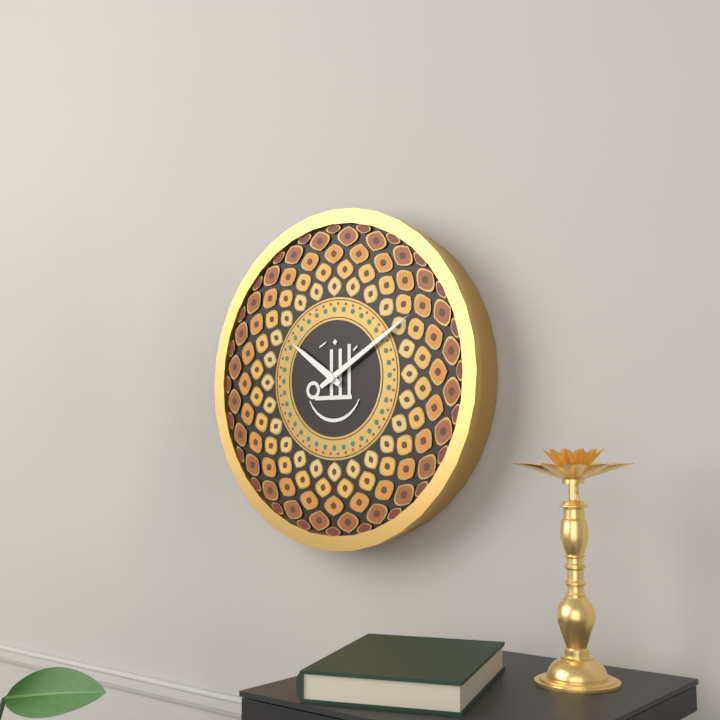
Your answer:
**10:10**
